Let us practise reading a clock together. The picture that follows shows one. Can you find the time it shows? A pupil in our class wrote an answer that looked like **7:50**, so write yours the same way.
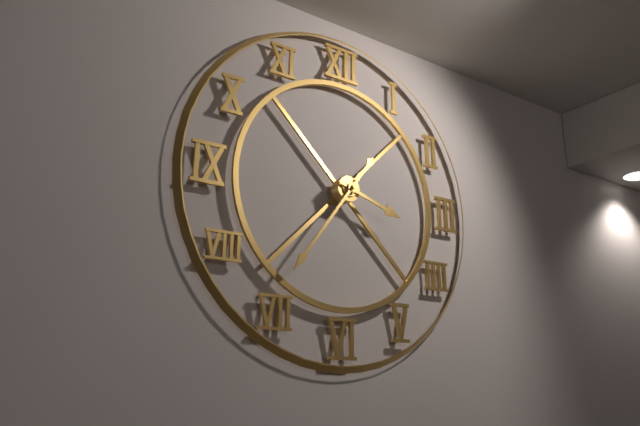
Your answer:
**3:36**
